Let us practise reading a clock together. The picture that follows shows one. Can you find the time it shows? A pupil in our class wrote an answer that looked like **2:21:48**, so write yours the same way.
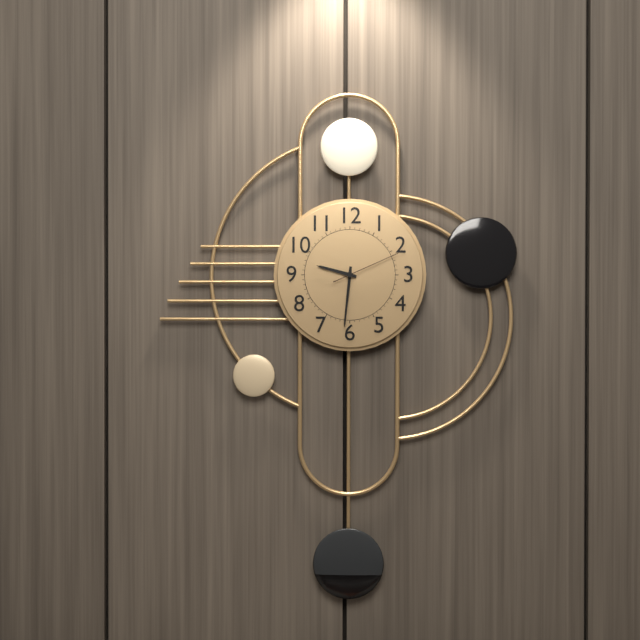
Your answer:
**9:31:11**
